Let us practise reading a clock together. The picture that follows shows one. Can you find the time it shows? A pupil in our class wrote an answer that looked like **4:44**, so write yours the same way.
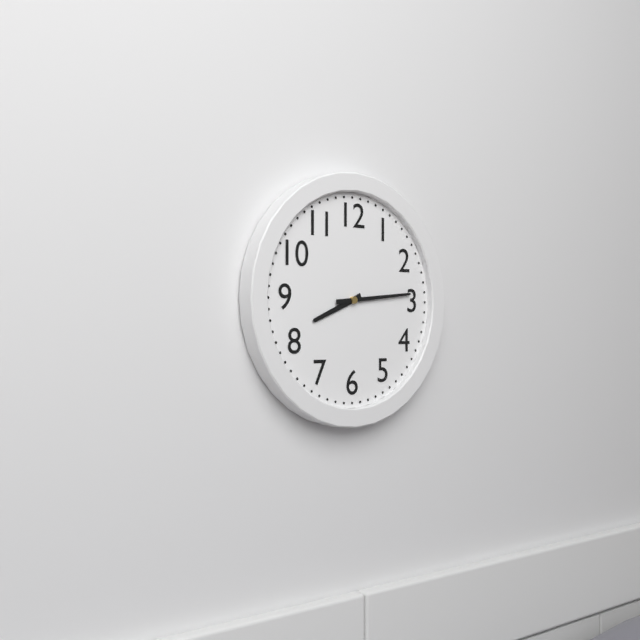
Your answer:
**8:14**
